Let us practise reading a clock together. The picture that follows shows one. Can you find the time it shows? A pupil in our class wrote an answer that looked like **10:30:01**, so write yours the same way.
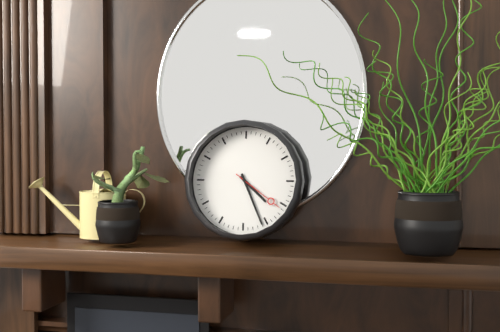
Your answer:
**4:26:21**
